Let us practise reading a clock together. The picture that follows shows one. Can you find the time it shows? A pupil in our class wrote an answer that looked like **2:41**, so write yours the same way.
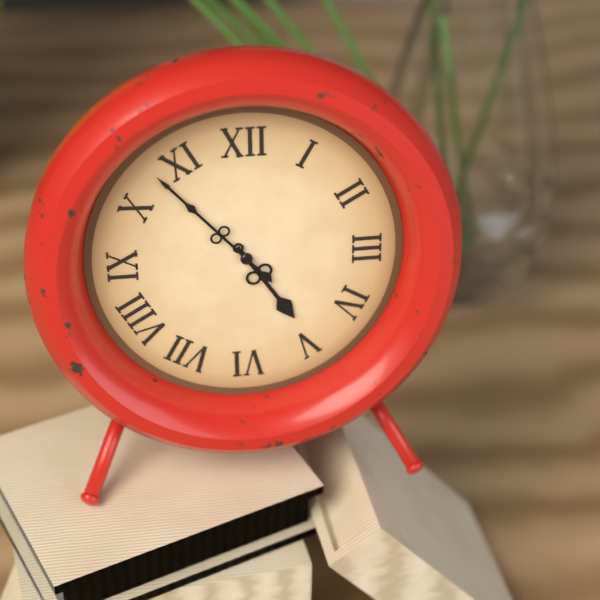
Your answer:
**4:53**
